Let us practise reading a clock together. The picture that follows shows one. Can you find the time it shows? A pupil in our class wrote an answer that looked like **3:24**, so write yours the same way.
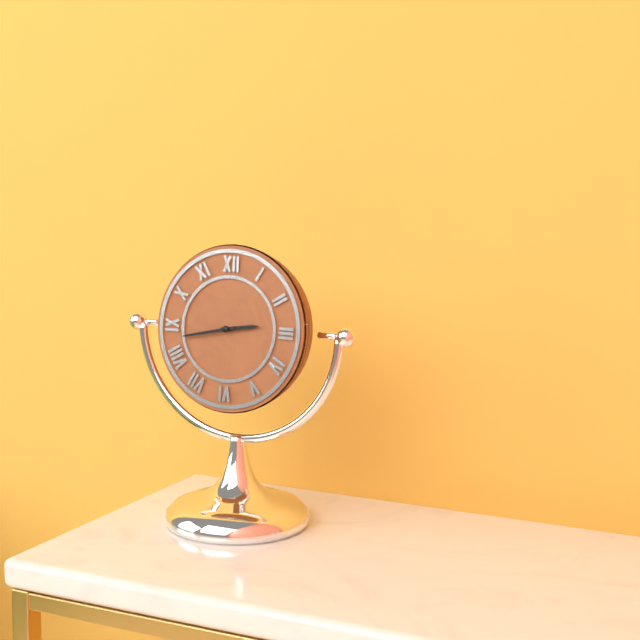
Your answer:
**2:43**
